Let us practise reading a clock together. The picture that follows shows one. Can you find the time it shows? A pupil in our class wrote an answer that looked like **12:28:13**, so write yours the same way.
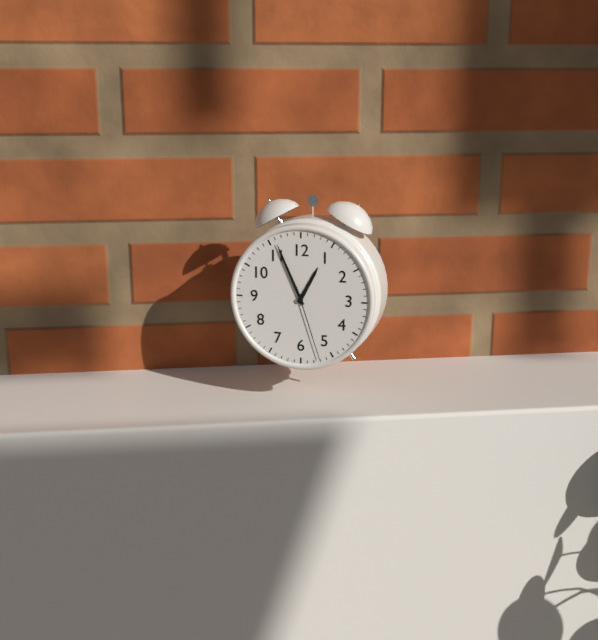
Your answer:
**12:56:27**
